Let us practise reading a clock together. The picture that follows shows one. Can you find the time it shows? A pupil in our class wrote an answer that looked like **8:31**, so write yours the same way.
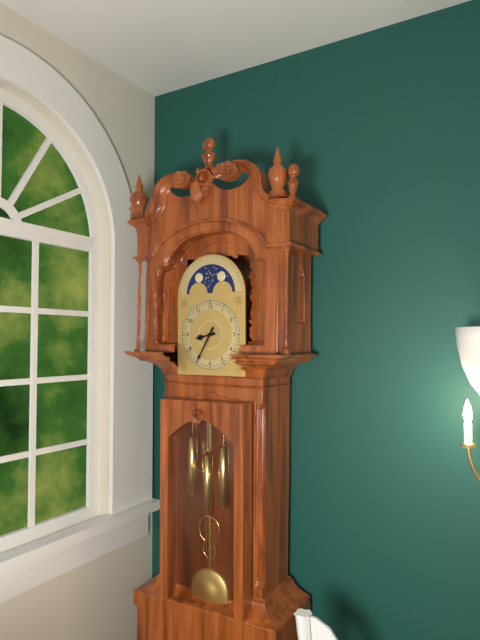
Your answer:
**8:35**
